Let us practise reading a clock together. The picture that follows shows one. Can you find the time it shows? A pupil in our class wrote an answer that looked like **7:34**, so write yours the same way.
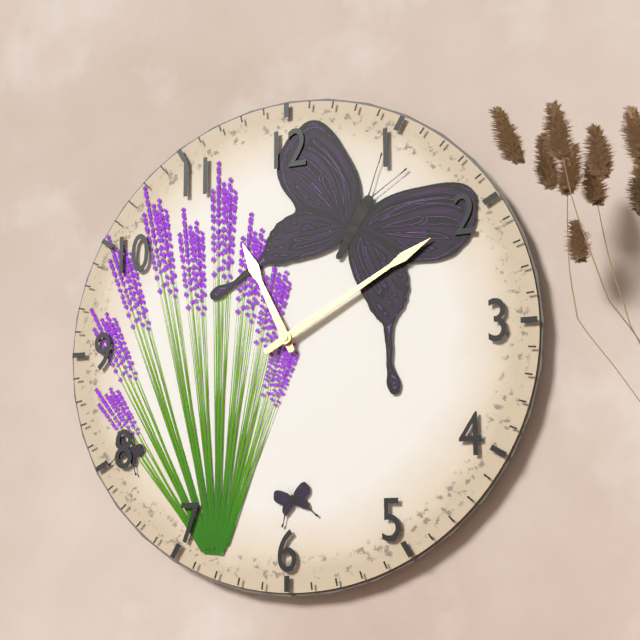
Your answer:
**11:10**
